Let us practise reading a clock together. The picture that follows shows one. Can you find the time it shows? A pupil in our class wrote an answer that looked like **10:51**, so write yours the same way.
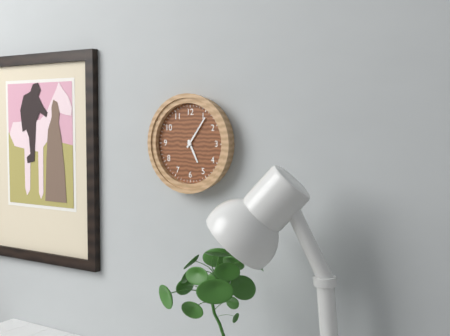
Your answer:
**5:06**
